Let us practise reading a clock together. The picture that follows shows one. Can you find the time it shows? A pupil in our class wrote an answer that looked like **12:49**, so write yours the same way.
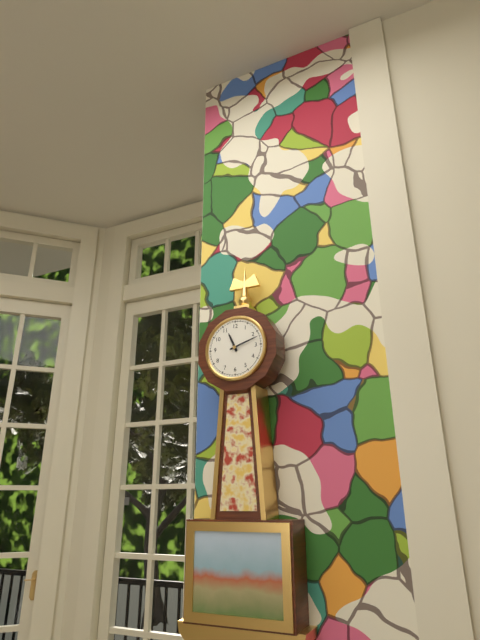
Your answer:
**11:12**
